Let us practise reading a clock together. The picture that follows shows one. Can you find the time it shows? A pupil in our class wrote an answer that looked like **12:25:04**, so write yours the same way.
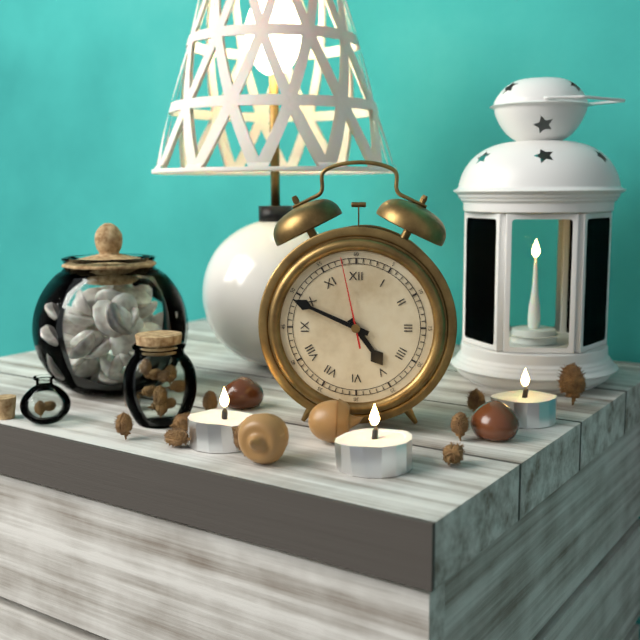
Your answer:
**4:49:58**
